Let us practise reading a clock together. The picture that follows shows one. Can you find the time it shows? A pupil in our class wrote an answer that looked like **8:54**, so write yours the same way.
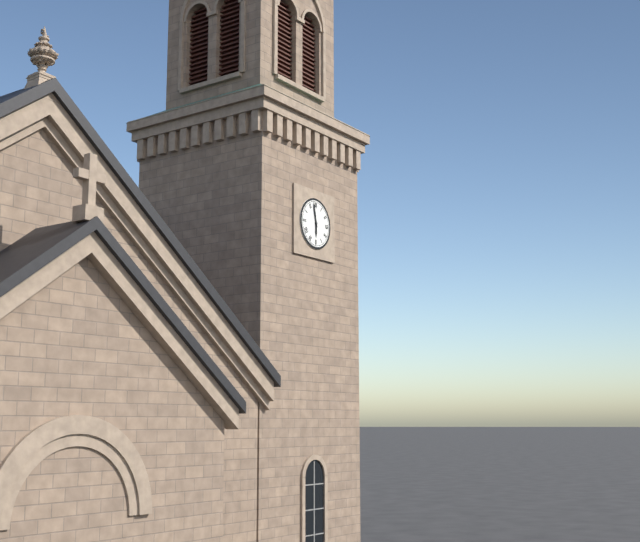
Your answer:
**5:58**
